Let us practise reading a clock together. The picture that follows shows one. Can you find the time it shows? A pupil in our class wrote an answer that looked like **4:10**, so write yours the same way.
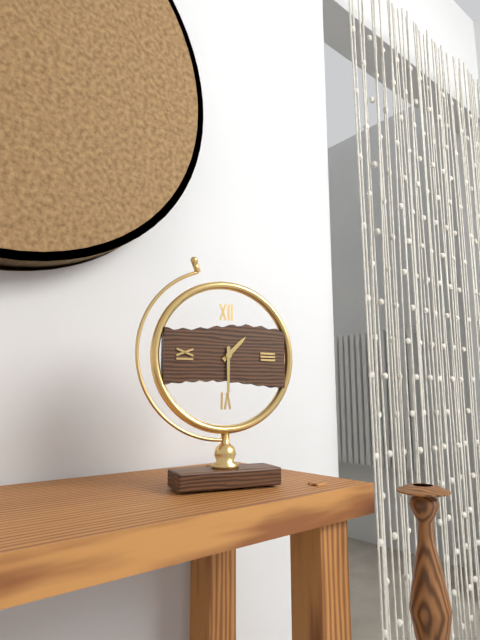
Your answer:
**1:30**
